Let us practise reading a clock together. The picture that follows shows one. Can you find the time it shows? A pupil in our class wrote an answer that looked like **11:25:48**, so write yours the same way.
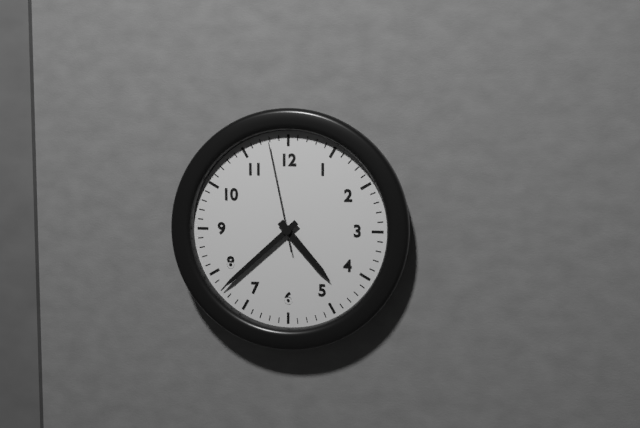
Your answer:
**4:38:58**
